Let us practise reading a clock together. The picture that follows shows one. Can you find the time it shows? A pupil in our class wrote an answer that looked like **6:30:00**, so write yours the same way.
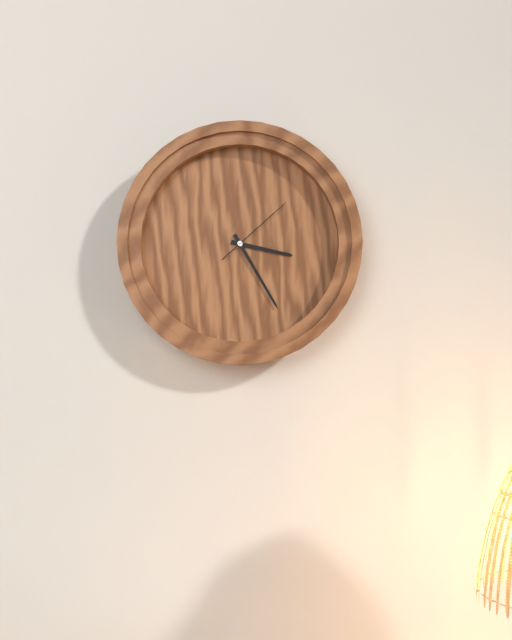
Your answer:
**3:25:08**
